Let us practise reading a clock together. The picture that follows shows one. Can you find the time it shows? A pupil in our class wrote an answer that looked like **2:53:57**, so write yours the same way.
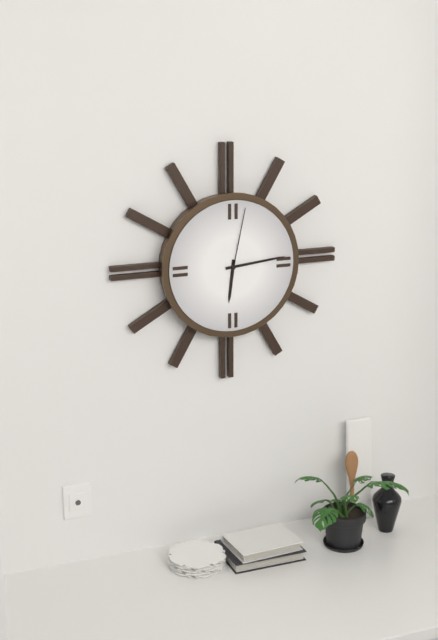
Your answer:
**6:14:02**
